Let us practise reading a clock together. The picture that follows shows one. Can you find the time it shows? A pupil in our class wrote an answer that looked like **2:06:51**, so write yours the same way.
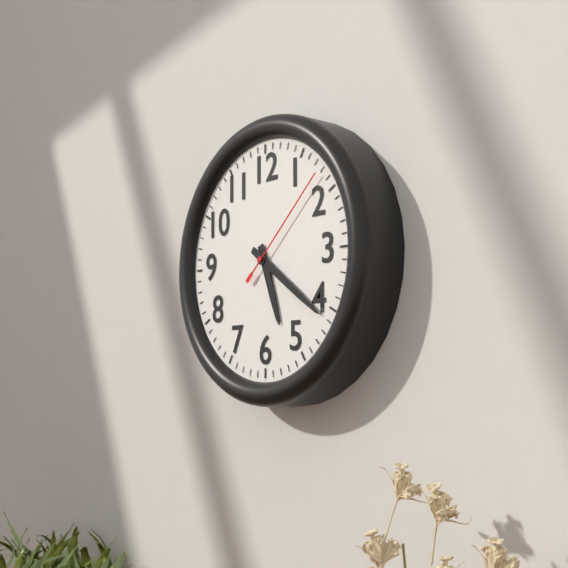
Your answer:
**5:21:08**
